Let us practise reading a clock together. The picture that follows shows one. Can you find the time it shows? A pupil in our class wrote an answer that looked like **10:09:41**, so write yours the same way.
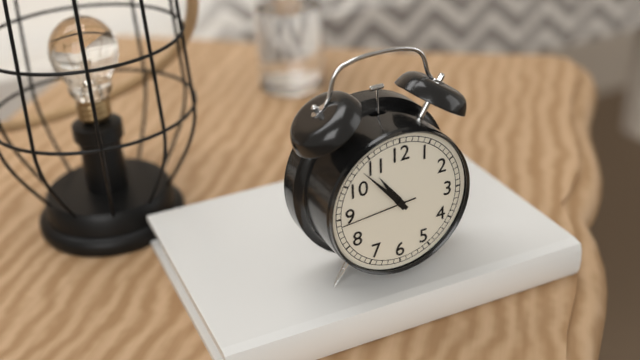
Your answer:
**10:53:44**
